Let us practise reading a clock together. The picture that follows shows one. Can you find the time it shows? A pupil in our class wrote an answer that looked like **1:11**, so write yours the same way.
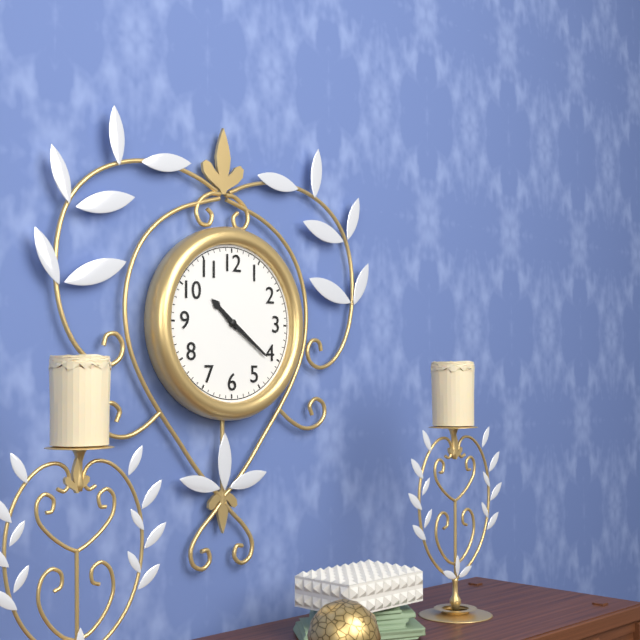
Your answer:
**10:21**
